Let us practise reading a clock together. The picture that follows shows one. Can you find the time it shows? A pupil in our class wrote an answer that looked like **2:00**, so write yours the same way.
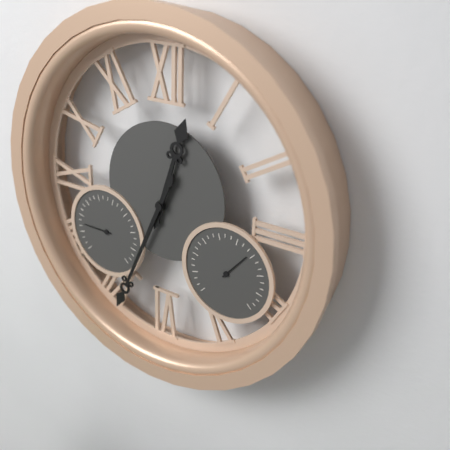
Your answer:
**12:34**
